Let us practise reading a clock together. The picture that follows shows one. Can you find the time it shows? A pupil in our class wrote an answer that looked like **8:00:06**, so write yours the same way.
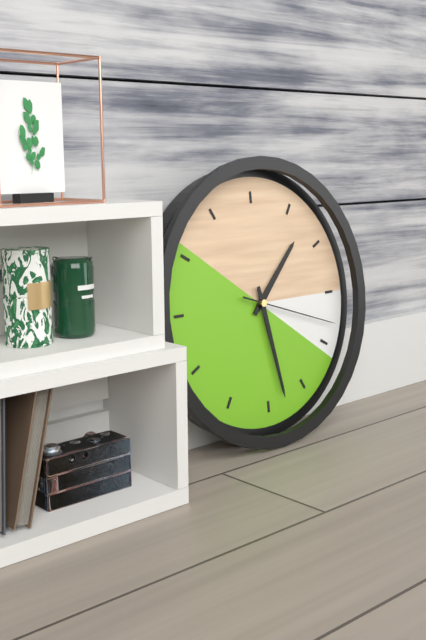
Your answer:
**1:28:18**
